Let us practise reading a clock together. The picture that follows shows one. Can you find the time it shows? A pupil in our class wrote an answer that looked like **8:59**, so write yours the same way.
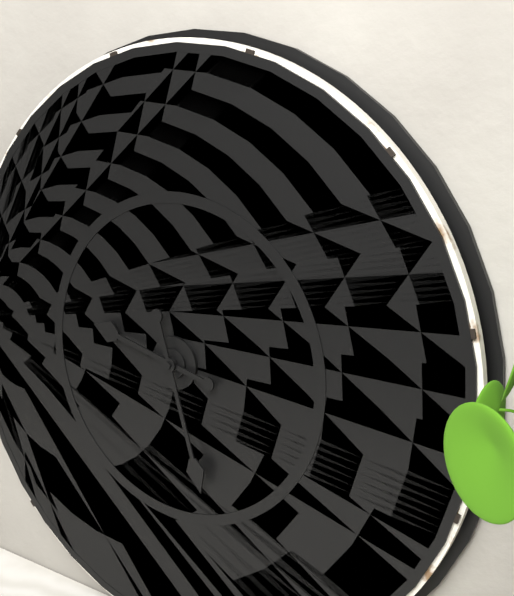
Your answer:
**9:27**
